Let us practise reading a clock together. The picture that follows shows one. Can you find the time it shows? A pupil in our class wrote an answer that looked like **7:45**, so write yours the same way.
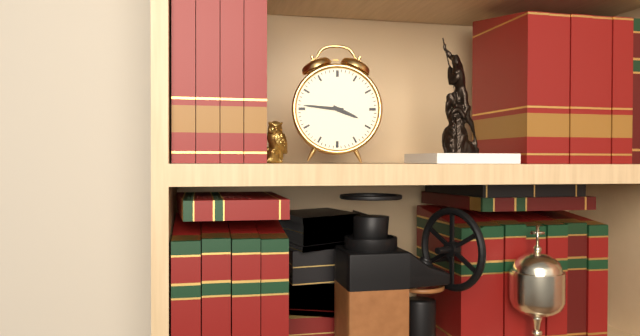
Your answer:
**3:46**
